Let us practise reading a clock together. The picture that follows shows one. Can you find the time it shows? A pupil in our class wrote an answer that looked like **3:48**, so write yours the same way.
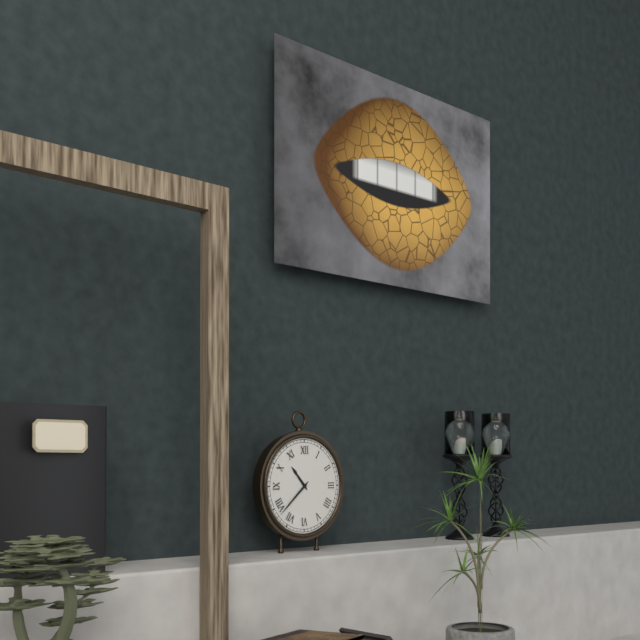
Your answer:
**10:38**
